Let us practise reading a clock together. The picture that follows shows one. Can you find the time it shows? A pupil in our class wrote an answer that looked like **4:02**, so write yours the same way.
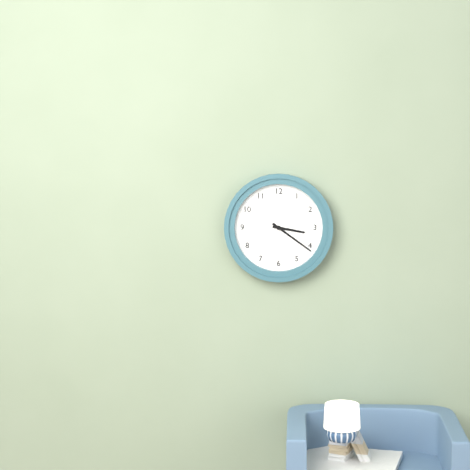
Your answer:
**3:21**
